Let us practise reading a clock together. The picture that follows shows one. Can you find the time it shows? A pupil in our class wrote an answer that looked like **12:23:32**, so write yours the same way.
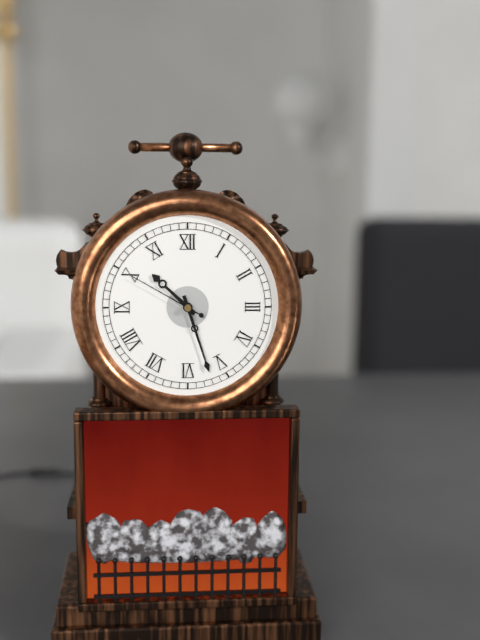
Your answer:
**10:27:50**
